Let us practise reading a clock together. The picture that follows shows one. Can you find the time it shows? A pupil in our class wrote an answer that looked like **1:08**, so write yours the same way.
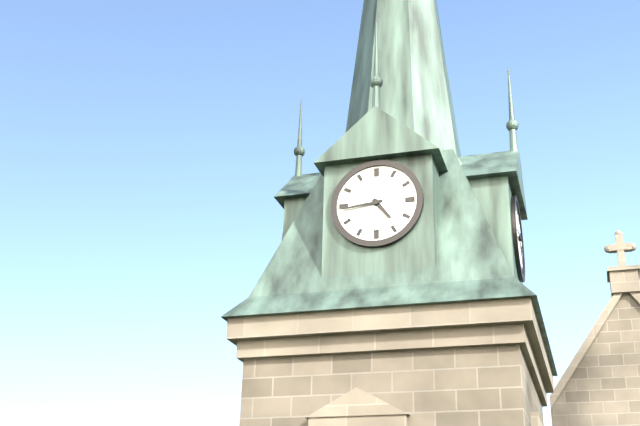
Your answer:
**4:44**
